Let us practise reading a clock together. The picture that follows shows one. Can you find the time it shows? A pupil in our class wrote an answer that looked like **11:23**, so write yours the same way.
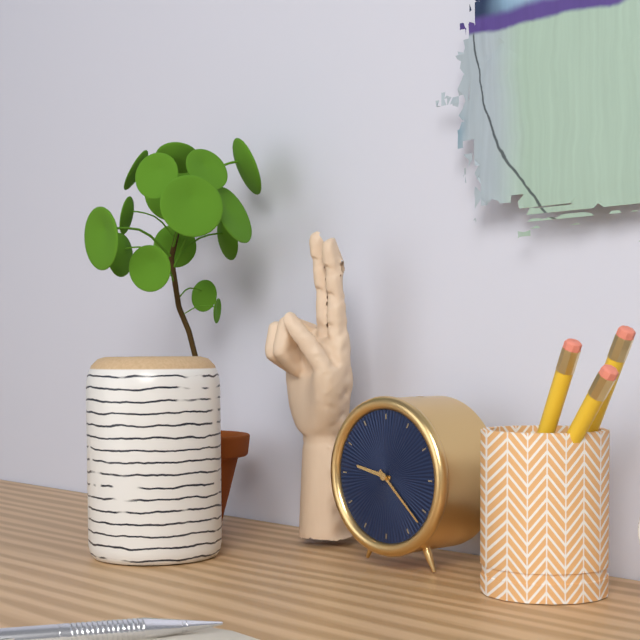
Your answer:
**9:22**
